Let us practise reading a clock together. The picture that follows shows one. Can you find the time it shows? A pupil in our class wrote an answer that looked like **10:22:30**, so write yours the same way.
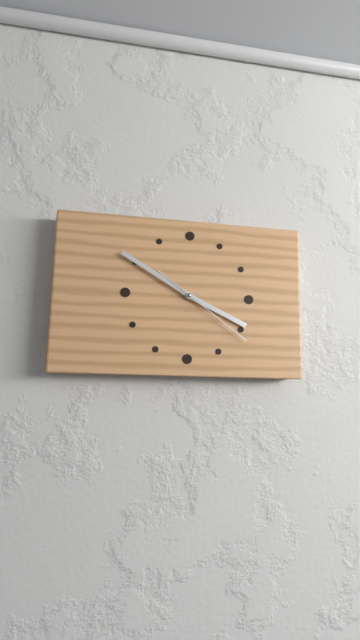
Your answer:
**3:50:21**
